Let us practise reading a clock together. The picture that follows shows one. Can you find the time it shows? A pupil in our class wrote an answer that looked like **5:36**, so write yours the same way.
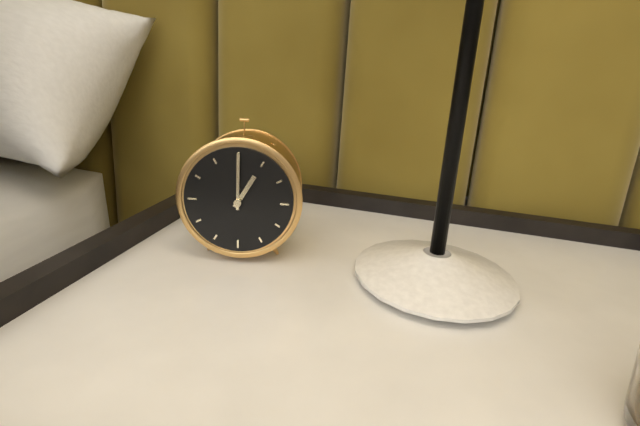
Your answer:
**1:00**
